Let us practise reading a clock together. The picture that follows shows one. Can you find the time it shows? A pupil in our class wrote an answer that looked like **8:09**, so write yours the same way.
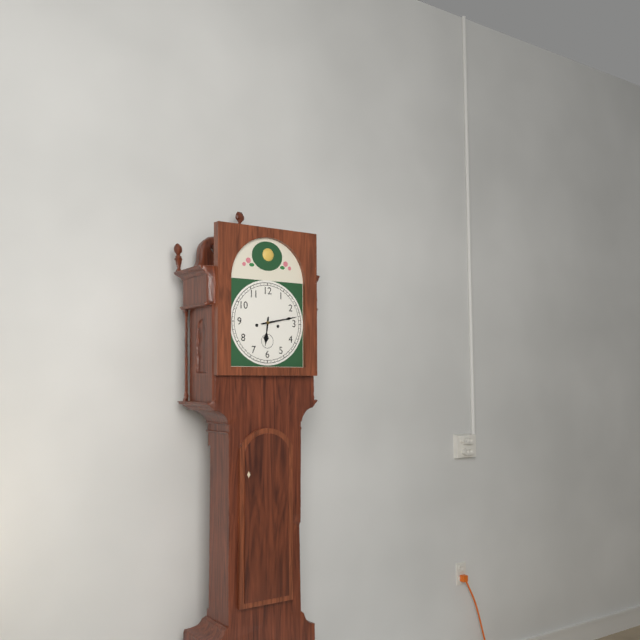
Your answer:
**6:13**
